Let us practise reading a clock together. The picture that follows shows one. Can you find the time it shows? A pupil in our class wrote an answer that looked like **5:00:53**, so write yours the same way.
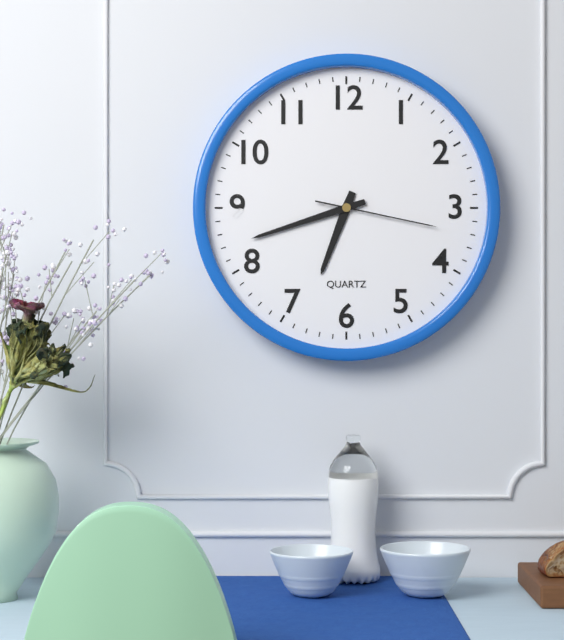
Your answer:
**6:42:17**
